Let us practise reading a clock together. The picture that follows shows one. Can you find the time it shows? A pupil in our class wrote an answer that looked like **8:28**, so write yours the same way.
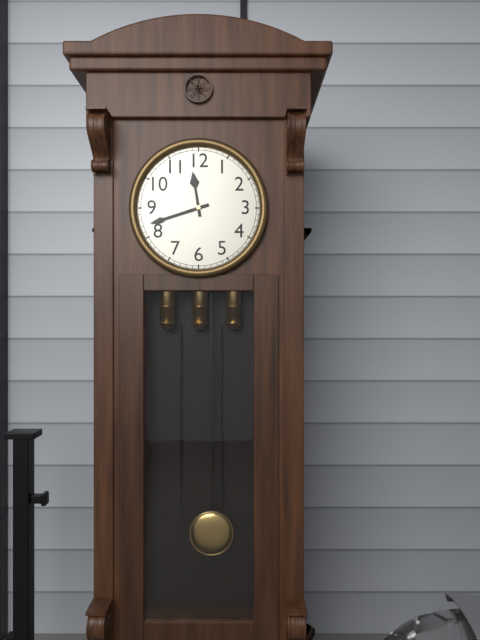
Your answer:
**11:42**
